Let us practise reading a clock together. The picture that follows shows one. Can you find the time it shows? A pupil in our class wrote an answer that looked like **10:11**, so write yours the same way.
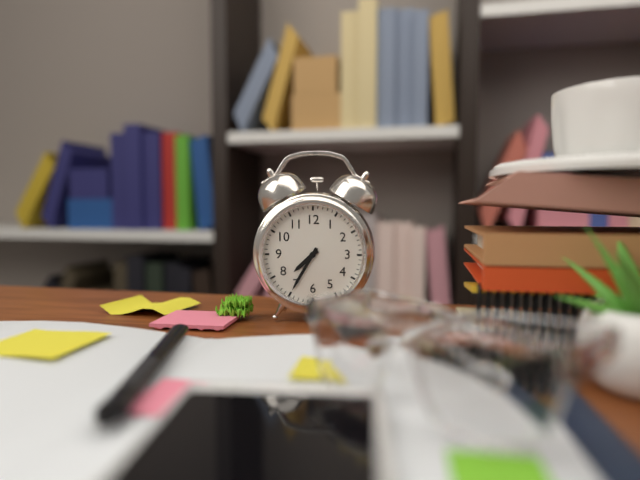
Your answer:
**7:35**
